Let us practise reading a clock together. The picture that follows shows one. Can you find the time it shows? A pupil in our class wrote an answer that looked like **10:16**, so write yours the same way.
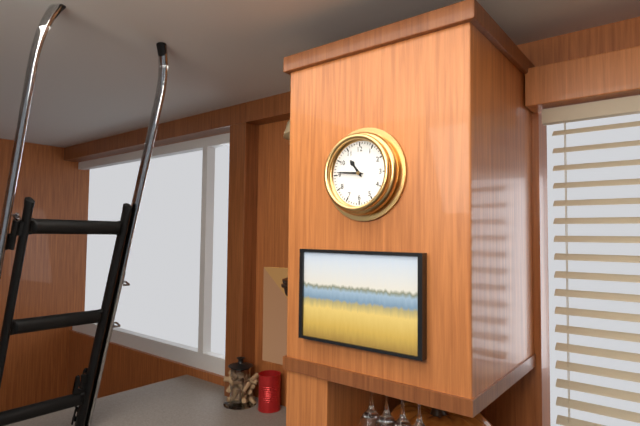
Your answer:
**10:46**
